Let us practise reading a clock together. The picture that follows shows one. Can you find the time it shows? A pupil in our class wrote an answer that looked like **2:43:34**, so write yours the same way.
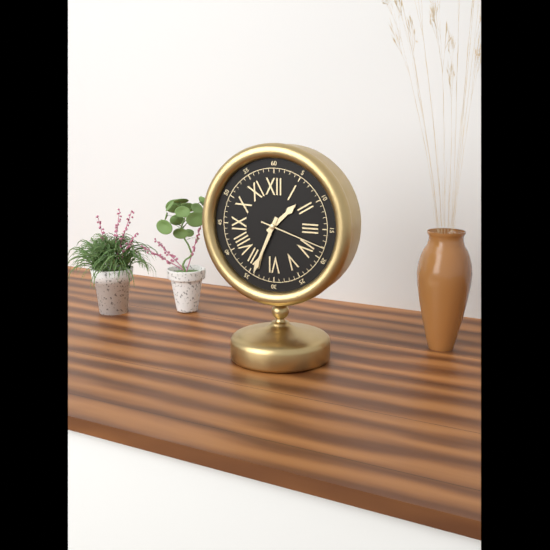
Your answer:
**1:34:18**
